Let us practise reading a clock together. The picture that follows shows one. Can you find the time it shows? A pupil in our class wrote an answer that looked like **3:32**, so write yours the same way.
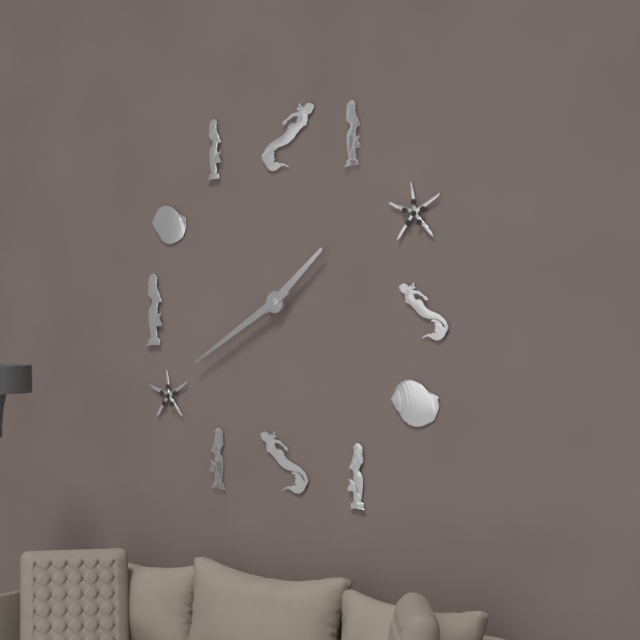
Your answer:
**1:40**
